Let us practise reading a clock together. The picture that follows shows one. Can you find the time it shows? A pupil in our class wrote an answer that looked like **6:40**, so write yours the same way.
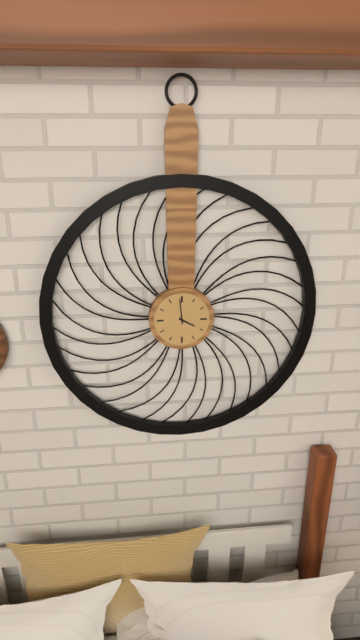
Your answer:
**3:59**
